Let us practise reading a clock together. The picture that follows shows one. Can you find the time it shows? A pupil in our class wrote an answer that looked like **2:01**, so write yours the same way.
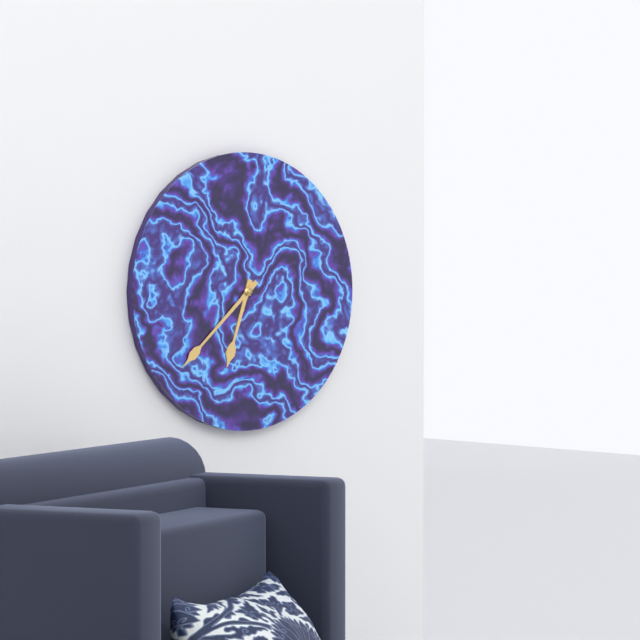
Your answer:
**6:38**
